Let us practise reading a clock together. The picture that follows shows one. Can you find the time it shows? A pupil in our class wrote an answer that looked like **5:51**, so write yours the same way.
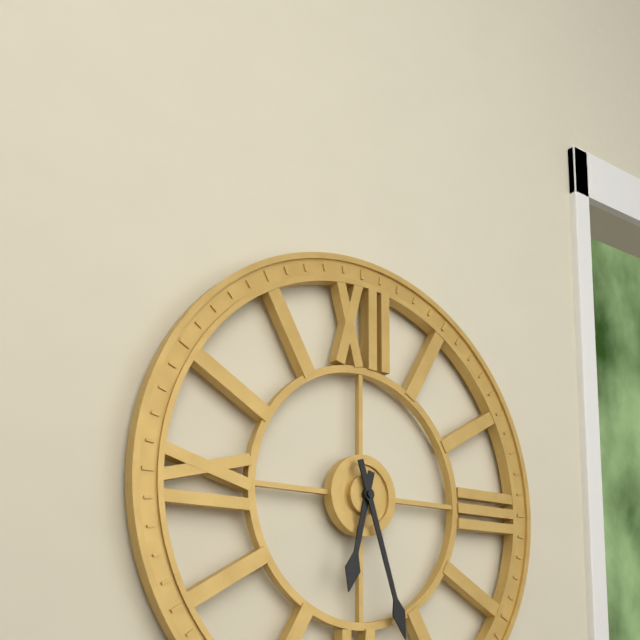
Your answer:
**6:27**
